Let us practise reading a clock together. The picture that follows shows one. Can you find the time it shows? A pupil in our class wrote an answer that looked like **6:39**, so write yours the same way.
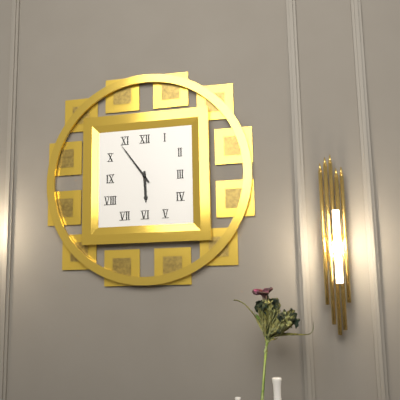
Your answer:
**5:54**
